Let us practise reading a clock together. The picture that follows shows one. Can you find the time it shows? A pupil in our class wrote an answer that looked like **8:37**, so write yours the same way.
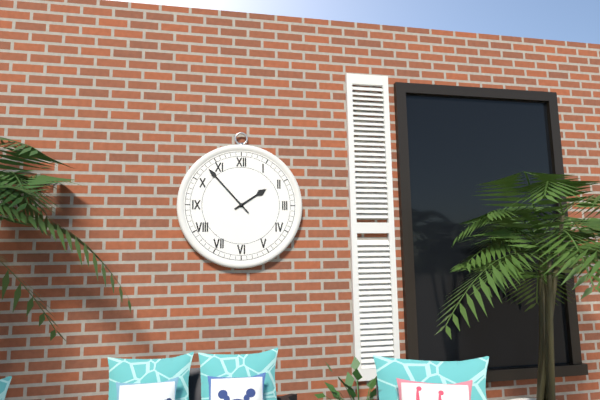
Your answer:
**1:53**
